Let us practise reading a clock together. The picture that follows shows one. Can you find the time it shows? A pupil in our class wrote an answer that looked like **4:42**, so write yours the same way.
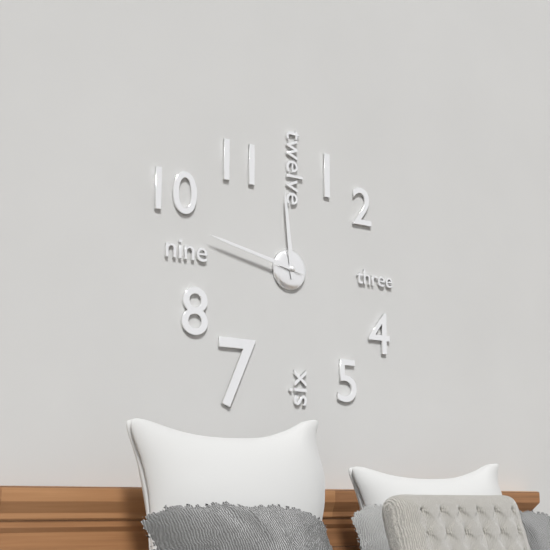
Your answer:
**11:47**
